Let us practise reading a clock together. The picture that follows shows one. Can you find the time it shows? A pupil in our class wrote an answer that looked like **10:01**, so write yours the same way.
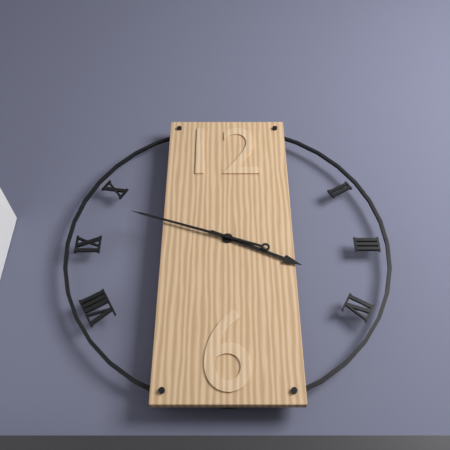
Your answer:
**3:48**
